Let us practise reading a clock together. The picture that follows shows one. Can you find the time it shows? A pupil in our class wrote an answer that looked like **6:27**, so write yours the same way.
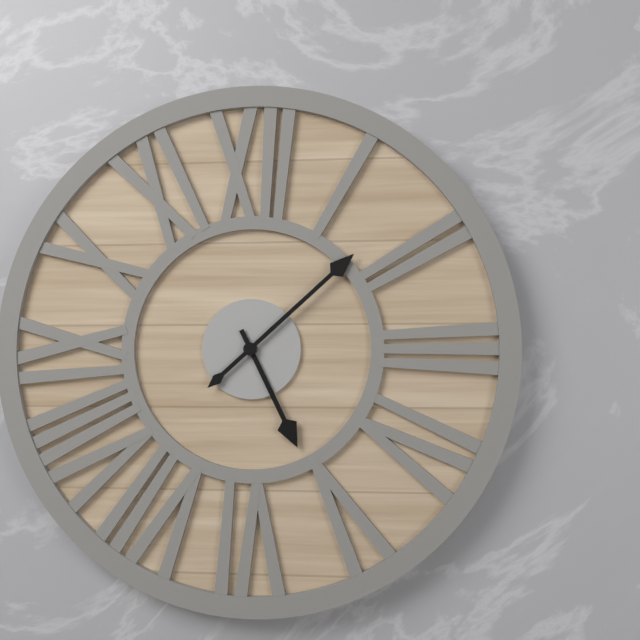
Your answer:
**5:08**
